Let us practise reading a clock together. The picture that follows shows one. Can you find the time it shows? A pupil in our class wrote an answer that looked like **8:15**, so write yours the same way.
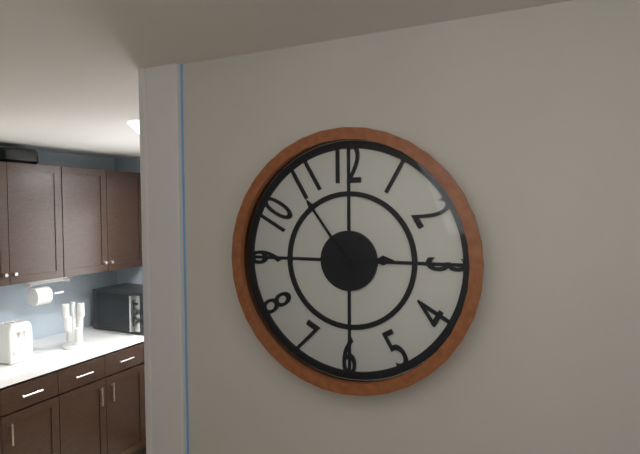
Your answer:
**2:54**
